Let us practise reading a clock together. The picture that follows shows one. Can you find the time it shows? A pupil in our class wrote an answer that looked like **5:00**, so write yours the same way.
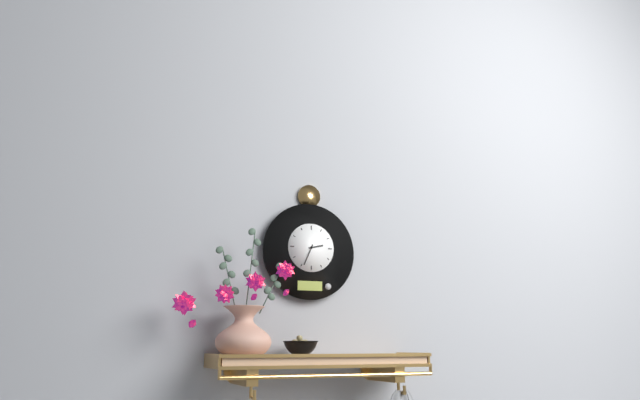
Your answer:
**2:34**
